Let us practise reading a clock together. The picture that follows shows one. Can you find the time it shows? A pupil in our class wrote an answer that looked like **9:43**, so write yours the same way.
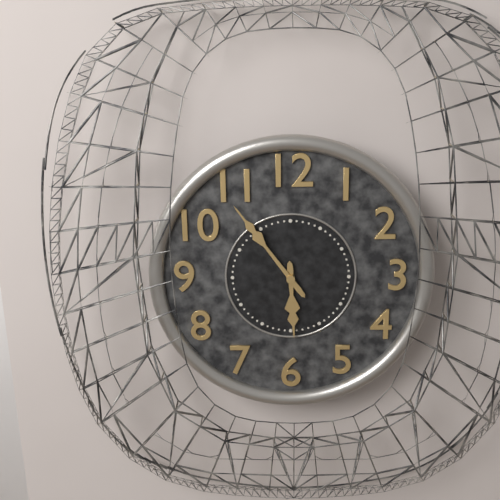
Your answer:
**5:54**
